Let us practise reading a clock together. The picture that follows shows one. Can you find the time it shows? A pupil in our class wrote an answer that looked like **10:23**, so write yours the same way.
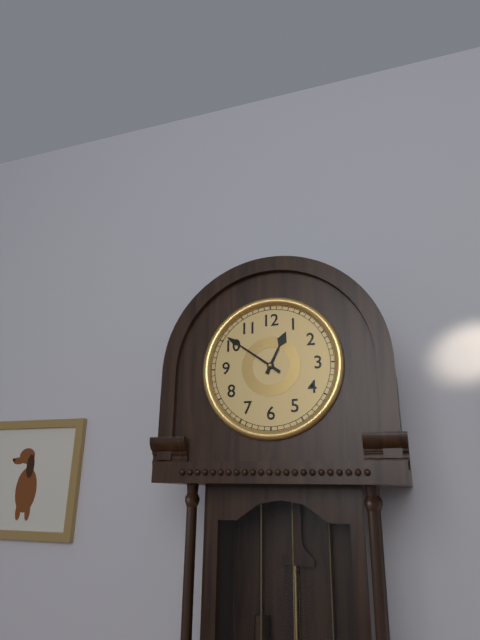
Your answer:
**12:51**
